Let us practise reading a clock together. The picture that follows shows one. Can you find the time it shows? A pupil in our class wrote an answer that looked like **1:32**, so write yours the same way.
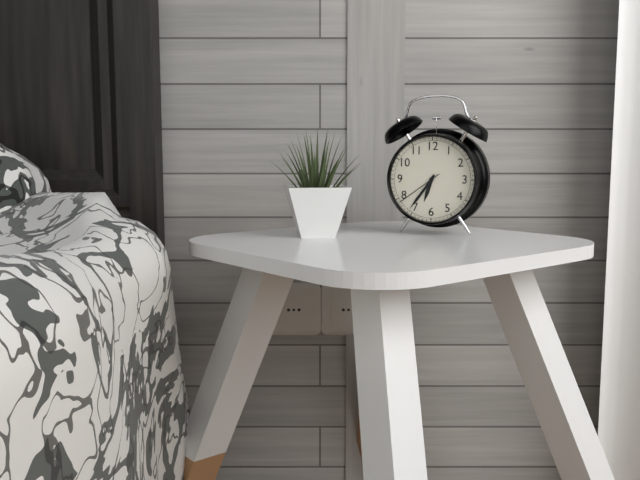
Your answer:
**6:36**
